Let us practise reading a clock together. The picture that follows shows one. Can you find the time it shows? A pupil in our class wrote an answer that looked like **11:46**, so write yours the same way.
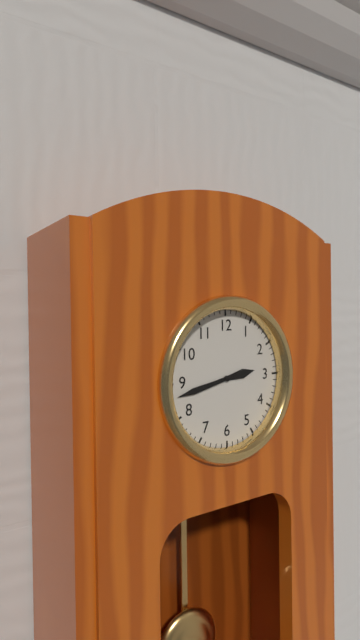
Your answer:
**2:43**
